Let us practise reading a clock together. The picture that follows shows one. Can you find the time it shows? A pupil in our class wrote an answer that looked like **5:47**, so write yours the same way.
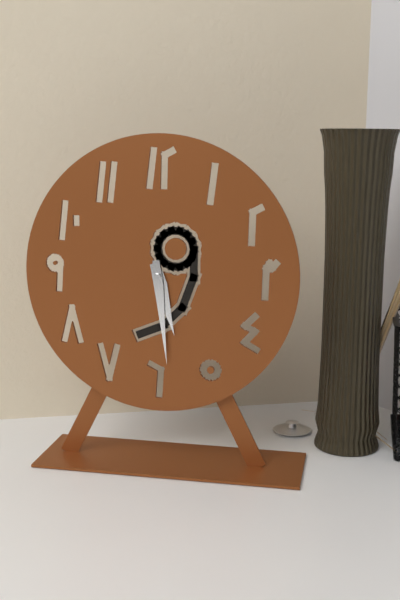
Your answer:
**5:29**
